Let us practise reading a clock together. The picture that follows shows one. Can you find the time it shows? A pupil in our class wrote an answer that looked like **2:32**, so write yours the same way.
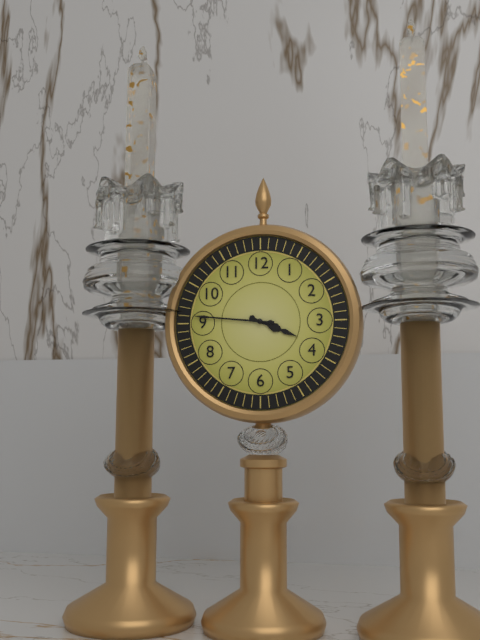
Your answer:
**3:46**
